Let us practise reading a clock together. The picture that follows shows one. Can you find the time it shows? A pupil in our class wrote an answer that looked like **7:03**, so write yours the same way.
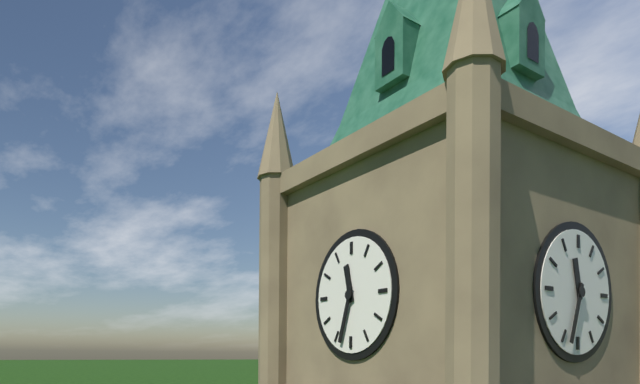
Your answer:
**11:33**
